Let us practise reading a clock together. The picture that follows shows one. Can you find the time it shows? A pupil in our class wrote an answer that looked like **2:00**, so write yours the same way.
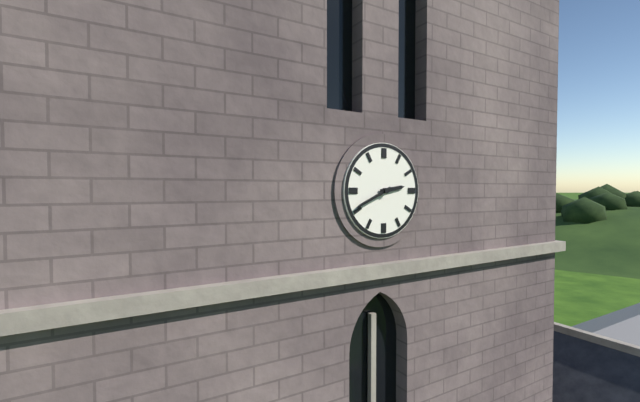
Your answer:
**2:41**
